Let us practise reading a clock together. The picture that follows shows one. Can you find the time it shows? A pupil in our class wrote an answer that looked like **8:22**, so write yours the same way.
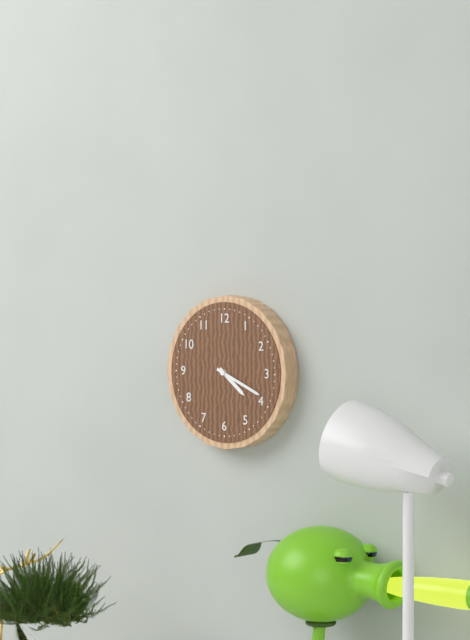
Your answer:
**4:19**
